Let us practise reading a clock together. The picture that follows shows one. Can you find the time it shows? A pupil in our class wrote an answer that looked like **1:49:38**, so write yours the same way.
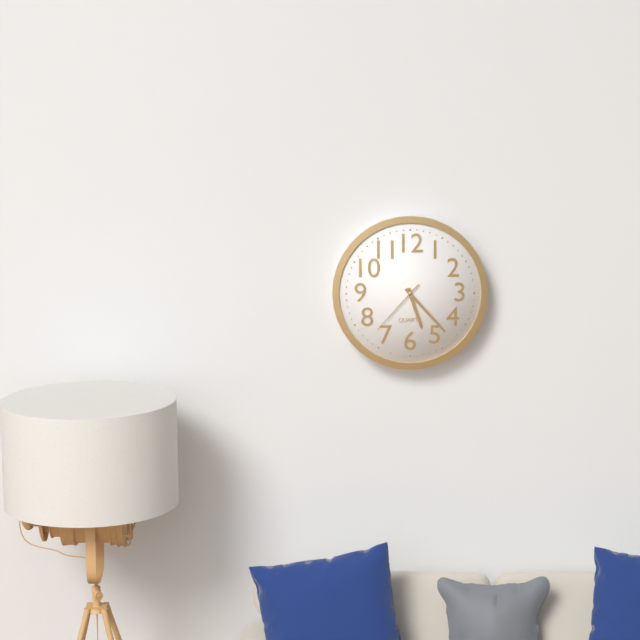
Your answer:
**5:23:37**
